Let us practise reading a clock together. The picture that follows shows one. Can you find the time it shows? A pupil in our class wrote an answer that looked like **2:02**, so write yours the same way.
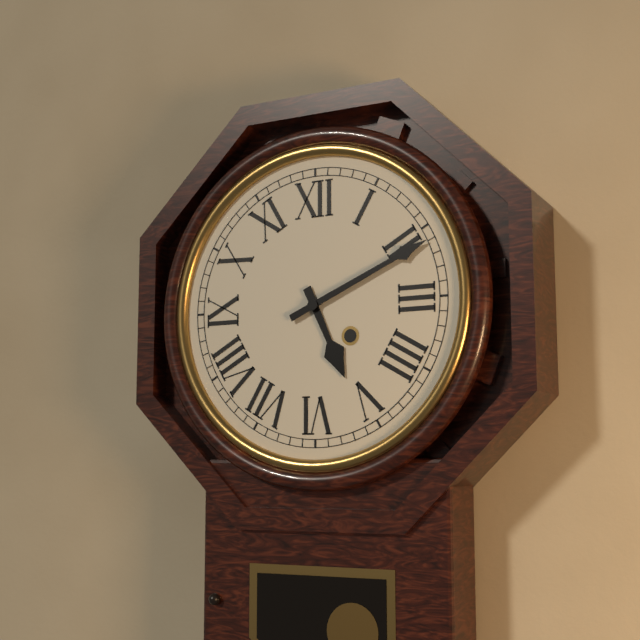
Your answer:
**5:11**
